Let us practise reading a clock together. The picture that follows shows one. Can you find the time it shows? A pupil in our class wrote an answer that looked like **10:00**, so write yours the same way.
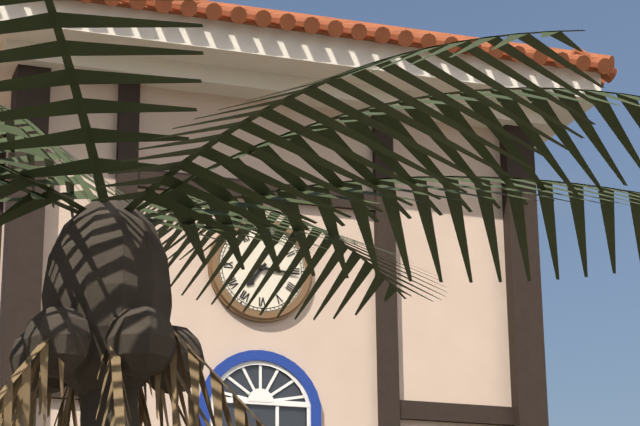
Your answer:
**7:16**
